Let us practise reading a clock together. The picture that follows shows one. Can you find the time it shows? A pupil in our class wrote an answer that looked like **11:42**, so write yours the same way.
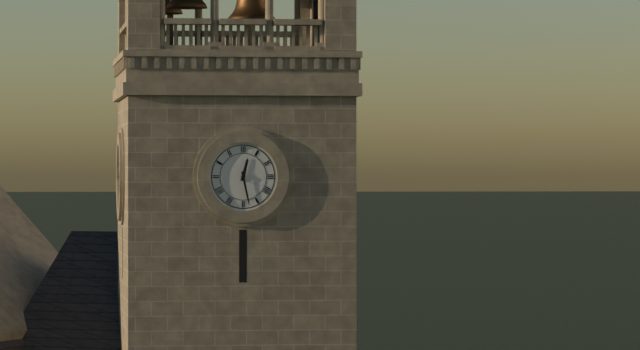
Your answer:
**12:28**
